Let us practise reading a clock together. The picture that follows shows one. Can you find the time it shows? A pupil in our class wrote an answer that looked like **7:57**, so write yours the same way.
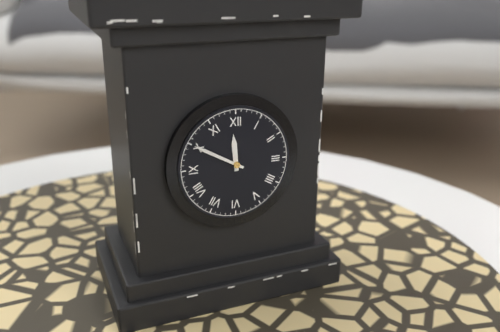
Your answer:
**11:50**
